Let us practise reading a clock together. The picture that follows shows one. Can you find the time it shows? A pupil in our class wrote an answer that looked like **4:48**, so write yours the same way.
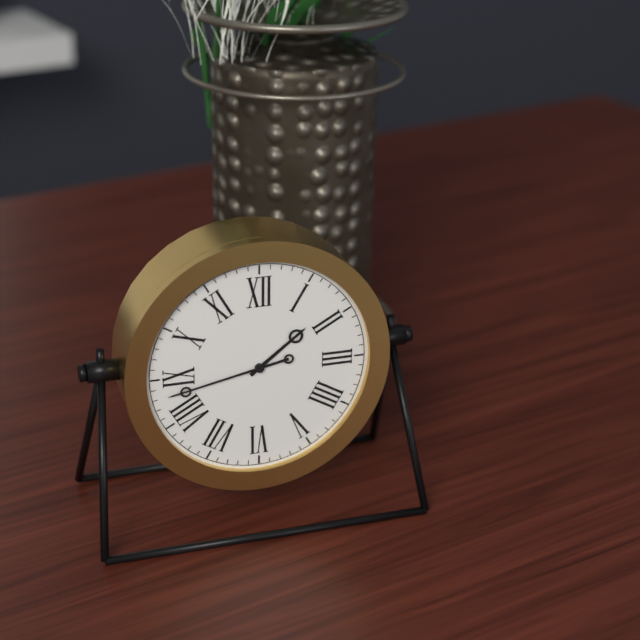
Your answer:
**1:43**
